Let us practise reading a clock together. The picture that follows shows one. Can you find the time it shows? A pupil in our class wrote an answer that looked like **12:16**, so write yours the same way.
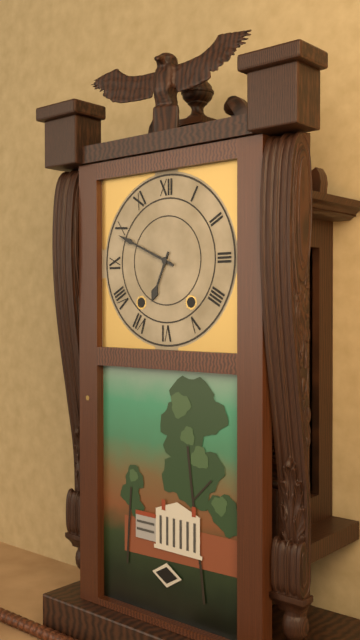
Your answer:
**6:49**
